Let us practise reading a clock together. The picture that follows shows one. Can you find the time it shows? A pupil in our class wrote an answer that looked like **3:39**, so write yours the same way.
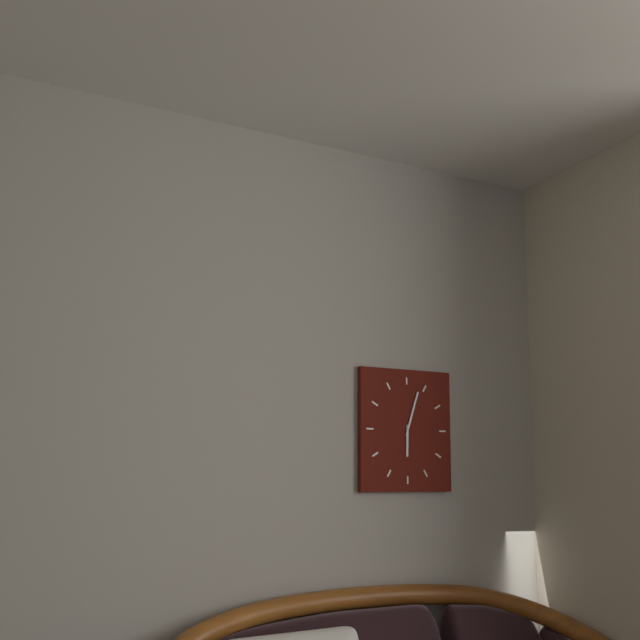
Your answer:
**6:03**
